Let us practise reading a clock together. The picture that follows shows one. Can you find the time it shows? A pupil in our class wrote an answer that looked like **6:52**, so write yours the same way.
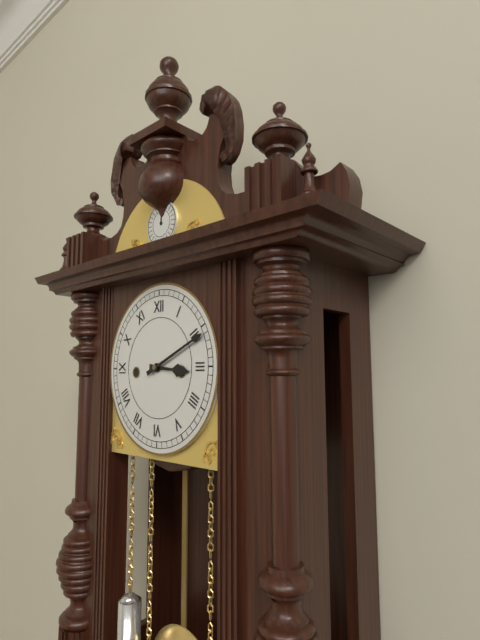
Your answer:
**3:11**
